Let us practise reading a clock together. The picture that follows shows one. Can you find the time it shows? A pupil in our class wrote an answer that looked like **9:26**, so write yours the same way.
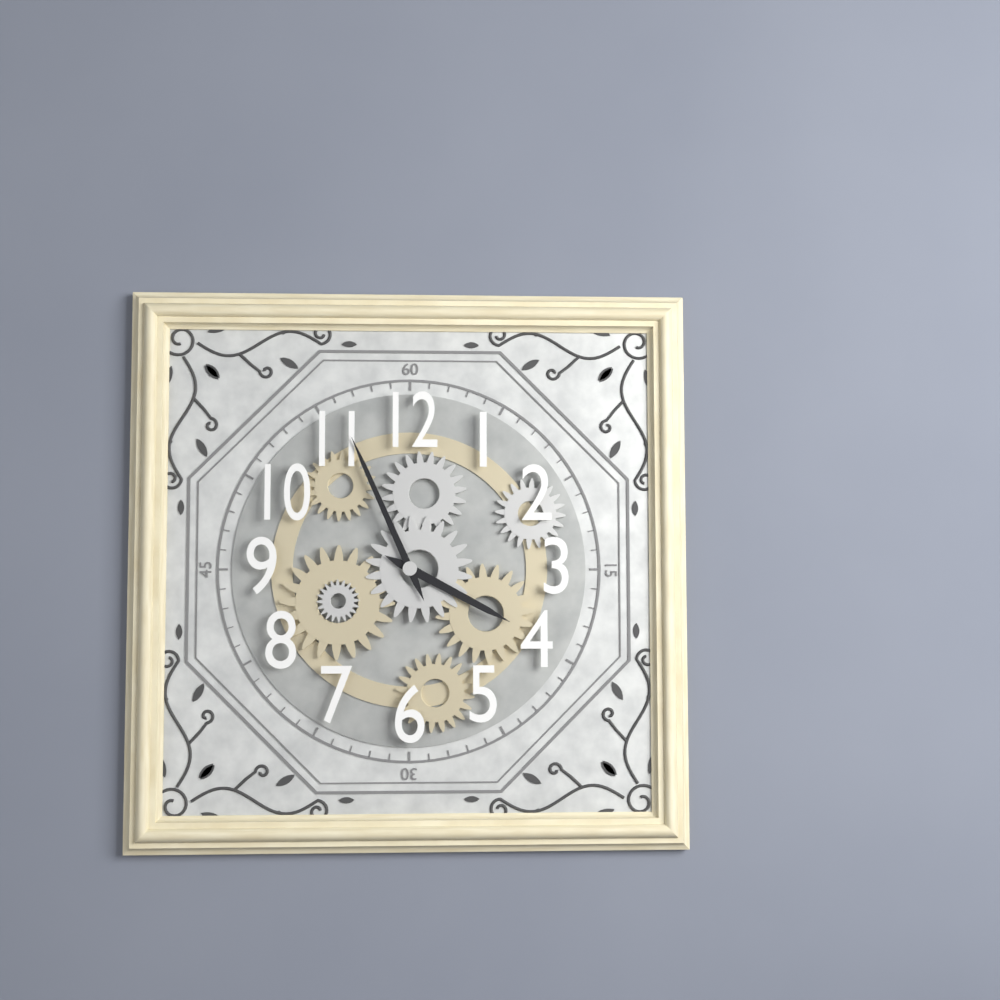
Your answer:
**3:56**
